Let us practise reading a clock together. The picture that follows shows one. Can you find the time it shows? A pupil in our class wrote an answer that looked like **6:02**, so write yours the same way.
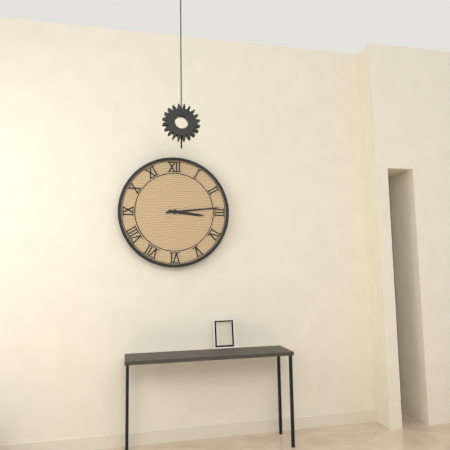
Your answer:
**3:14**
